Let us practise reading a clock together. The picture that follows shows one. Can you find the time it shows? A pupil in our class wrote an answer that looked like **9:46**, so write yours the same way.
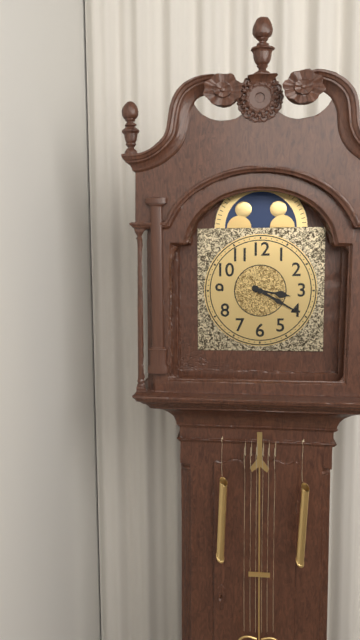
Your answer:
**3:20**
